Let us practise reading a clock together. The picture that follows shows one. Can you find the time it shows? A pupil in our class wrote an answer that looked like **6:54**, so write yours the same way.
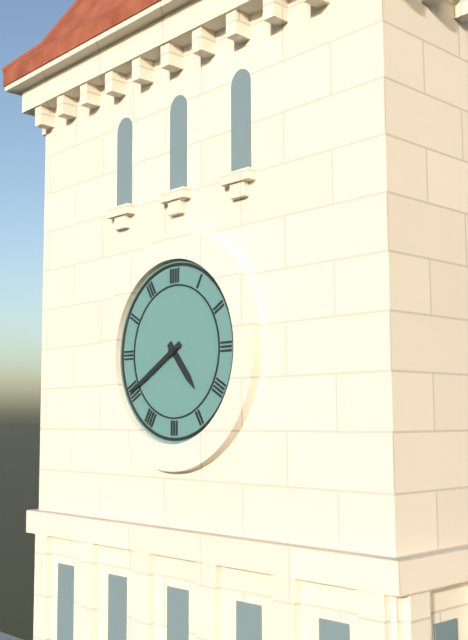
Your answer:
**4:40**
